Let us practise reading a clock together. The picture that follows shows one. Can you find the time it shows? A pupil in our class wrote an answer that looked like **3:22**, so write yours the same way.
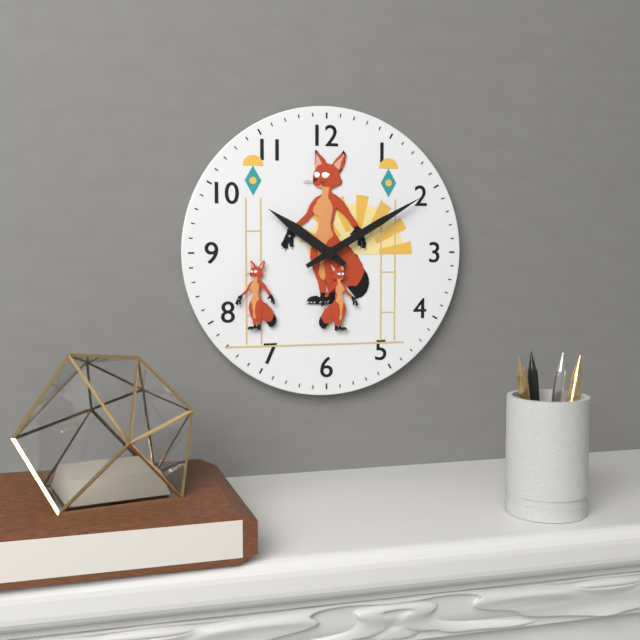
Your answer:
**10:10**
